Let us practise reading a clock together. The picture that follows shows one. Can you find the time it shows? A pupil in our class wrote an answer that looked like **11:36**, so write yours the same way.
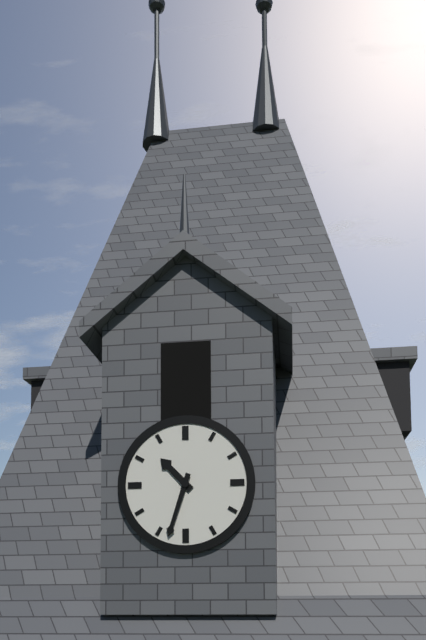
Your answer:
**10:33**
